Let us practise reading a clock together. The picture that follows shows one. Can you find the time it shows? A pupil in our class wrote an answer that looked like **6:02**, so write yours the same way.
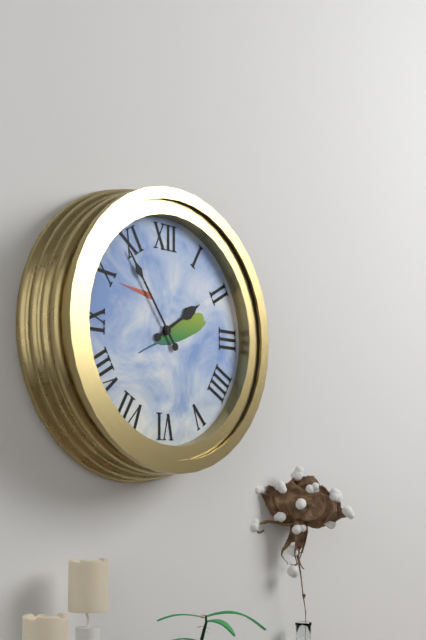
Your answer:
**1:54**
